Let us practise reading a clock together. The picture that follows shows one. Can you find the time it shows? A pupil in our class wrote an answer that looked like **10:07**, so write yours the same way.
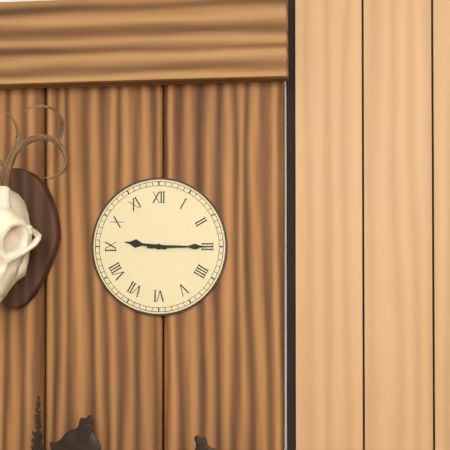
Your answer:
**9:15**
